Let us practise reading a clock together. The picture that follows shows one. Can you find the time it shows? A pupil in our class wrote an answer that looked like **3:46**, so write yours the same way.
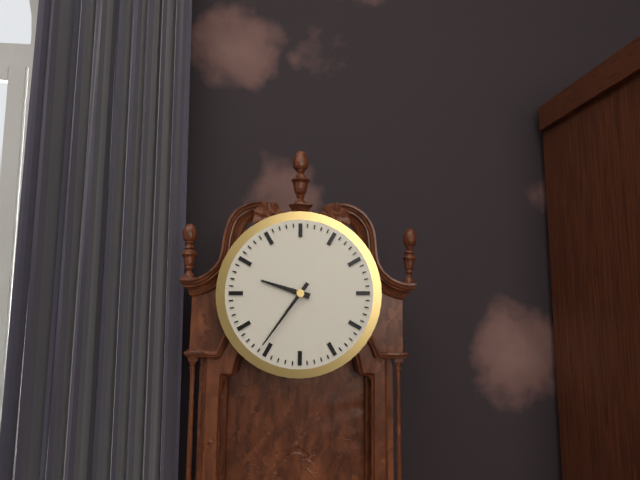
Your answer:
**9:36**
